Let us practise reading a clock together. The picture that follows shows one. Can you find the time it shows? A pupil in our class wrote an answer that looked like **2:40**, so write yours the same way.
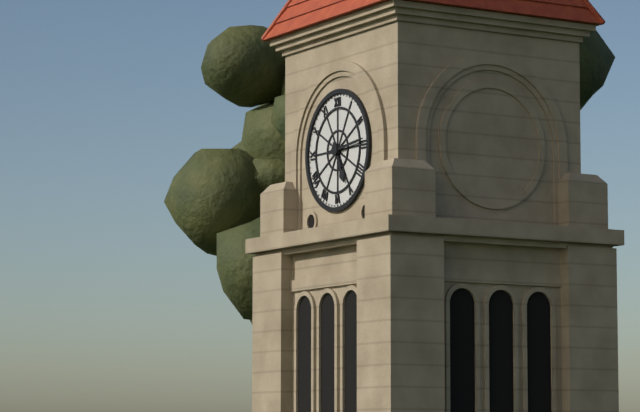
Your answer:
**5:14**
